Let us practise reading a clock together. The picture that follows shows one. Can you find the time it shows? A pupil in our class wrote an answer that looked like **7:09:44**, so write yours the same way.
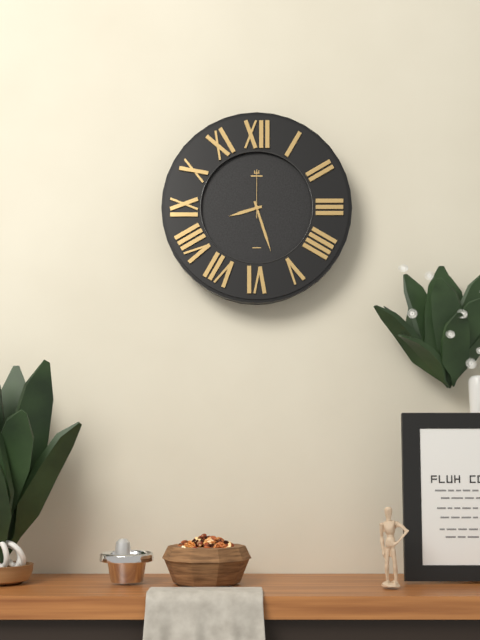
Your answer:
**8:27:00**
